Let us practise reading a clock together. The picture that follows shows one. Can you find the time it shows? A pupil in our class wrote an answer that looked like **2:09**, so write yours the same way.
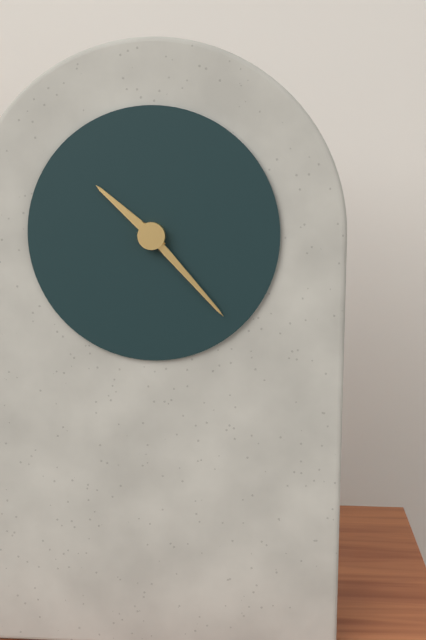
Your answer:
**10:23**
